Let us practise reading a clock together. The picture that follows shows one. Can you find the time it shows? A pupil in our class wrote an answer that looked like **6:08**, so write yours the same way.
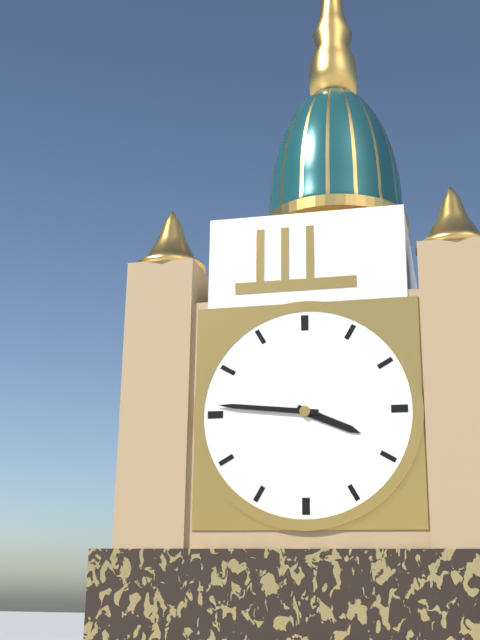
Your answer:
**3:46**
